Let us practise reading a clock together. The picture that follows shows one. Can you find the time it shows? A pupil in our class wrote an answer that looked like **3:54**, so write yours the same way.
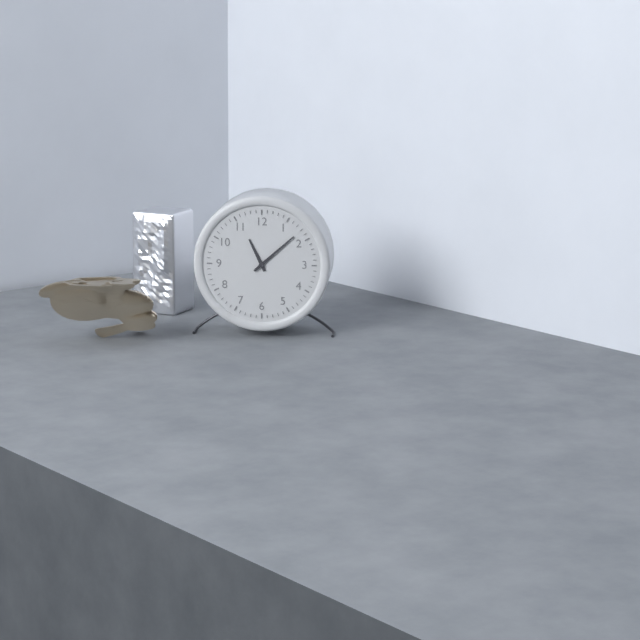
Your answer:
**11:08**
